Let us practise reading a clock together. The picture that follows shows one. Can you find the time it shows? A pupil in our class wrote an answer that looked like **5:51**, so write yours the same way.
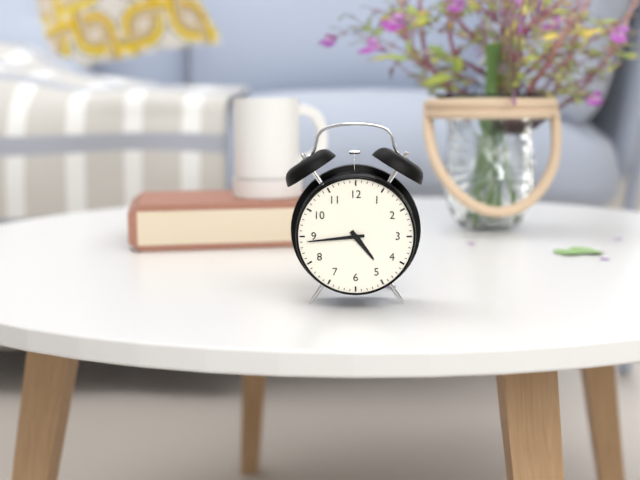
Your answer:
**4:44**
